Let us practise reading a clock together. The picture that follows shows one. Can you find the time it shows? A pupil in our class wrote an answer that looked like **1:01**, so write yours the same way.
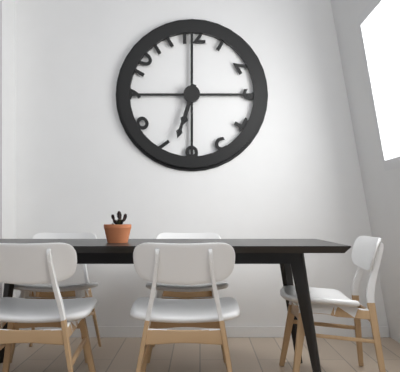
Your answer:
**6:33**
